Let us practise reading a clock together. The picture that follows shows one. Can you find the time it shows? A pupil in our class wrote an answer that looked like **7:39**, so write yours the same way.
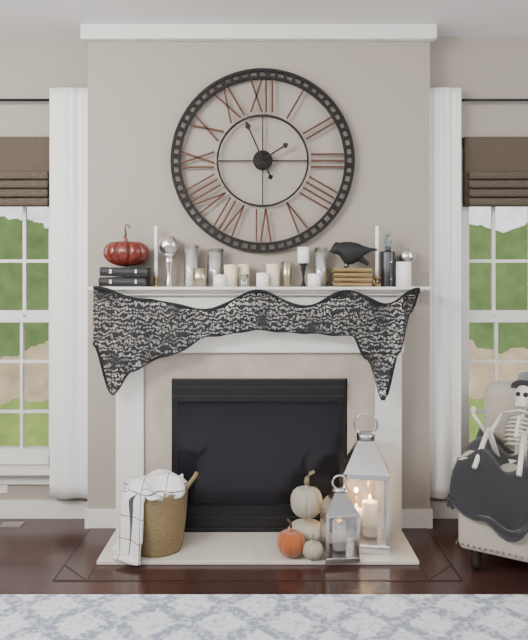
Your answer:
**1:56**
